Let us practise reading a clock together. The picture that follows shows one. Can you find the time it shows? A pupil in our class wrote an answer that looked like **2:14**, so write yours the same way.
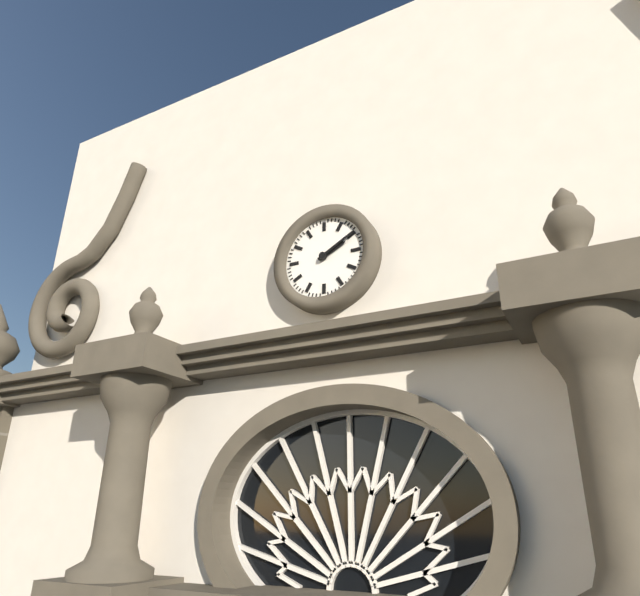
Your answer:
**2:10**
